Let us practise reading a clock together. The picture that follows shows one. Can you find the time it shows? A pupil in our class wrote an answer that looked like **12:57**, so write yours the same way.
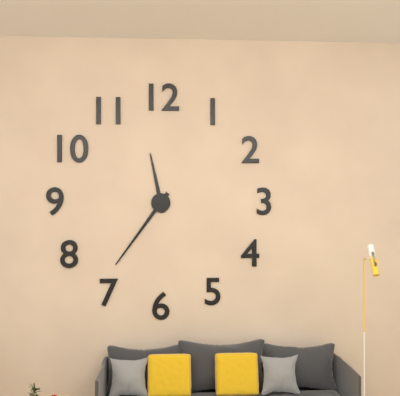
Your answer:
**11:36**
